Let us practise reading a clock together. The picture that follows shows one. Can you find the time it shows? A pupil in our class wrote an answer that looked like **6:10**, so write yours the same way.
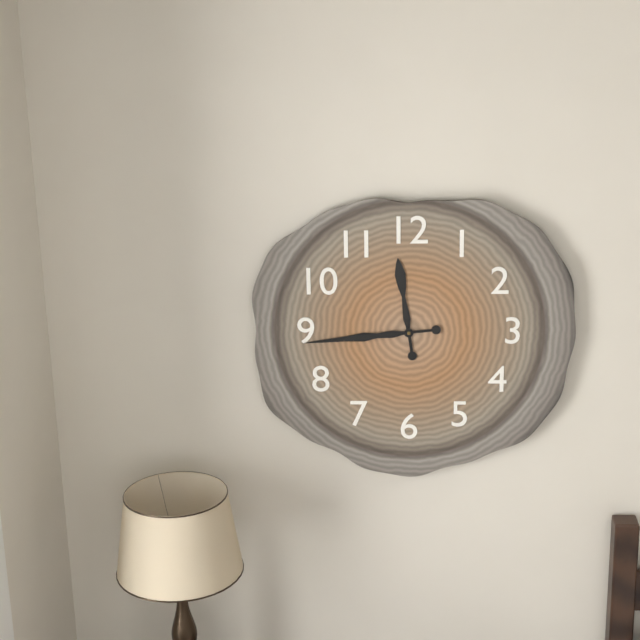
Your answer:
**11:44**
